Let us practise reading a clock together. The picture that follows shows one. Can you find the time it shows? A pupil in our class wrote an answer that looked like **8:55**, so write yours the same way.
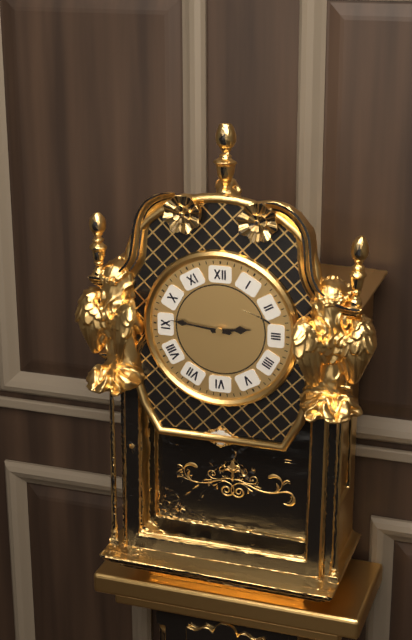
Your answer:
**2:46**
